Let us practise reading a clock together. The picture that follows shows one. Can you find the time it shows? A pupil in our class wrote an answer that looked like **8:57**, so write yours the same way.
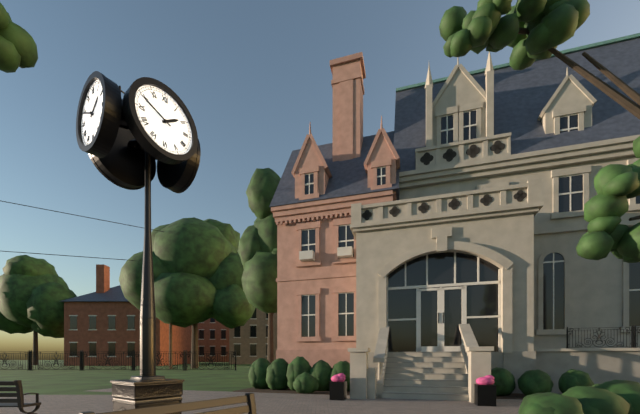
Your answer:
**1:49**
